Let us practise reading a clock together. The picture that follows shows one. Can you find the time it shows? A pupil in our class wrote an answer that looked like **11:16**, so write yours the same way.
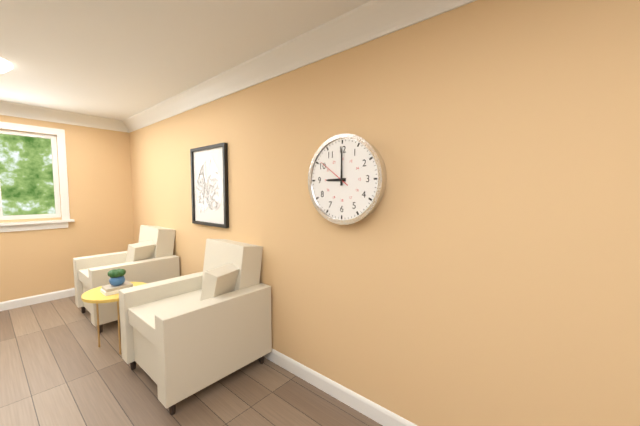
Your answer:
**9:00**
